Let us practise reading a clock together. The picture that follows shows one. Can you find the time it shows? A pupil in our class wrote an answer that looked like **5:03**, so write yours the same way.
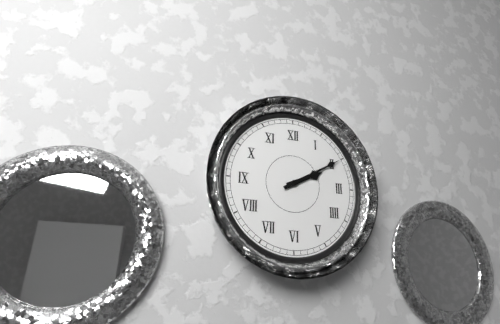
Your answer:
**2:10**
